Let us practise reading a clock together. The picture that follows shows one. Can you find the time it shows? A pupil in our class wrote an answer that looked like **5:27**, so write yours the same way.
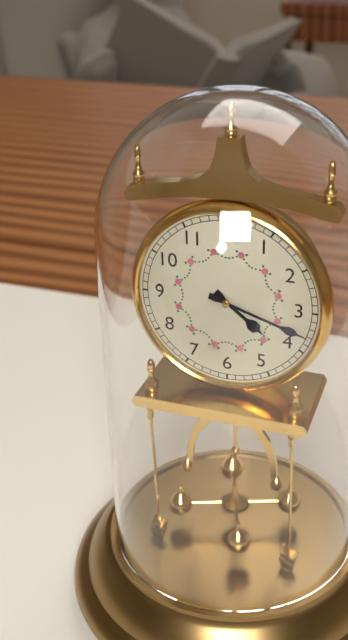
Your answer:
**4:18**
